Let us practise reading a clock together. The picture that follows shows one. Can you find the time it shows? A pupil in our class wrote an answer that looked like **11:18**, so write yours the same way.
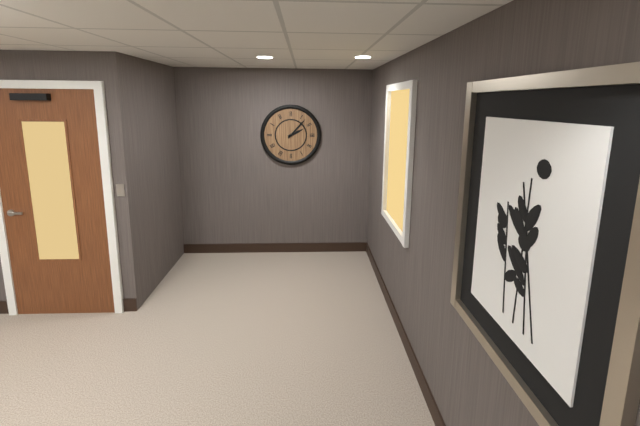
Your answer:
**2:07**
